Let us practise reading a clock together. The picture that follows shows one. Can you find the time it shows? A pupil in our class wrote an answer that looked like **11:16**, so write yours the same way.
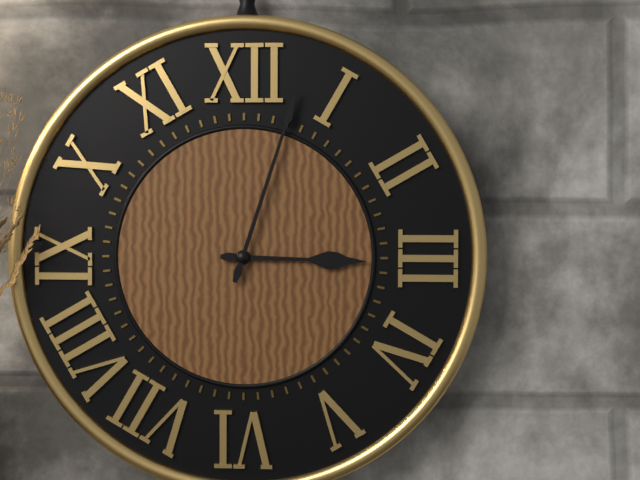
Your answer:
**3:03**
